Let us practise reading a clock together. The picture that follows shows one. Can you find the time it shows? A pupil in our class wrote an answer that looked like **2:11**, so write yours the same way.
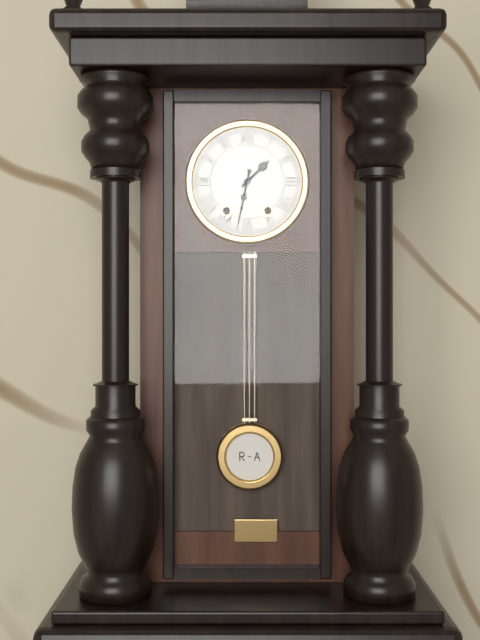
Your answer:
**1:32**
